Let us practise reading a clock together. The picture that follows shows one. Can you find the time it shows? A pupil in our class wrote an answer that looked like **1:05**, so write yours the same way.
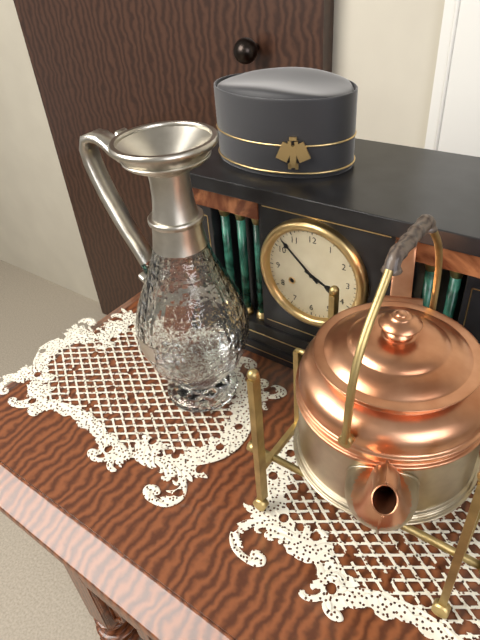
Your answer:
**3:52**
